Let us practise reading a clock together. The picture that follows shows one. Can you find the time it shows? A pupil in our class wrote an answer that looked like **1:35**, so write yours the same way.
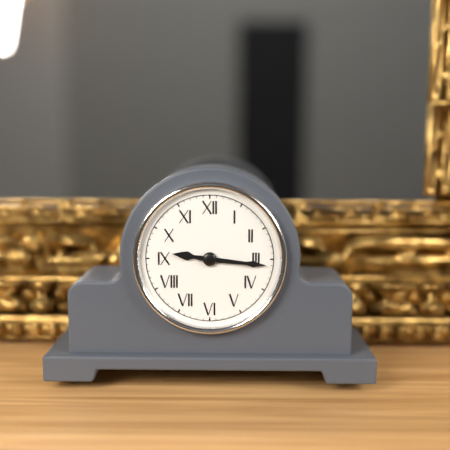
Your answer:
**9:16**
